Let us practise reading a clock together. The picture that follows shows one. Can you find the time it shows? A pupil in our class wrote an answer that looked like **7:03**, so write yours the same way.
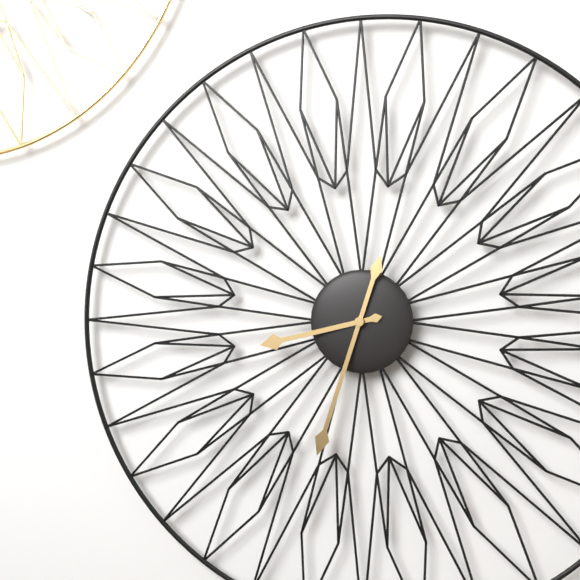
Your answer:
**8:33**
